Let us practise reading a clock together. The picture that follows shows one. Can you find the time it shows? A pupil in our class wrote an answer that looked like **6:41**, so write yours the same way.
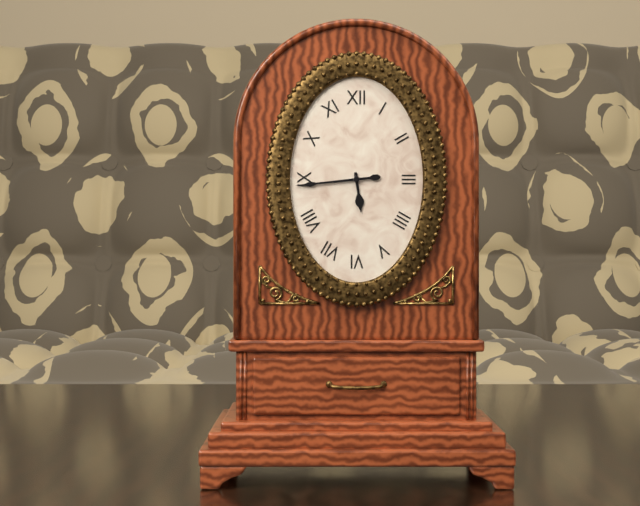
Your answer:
**5:44**
